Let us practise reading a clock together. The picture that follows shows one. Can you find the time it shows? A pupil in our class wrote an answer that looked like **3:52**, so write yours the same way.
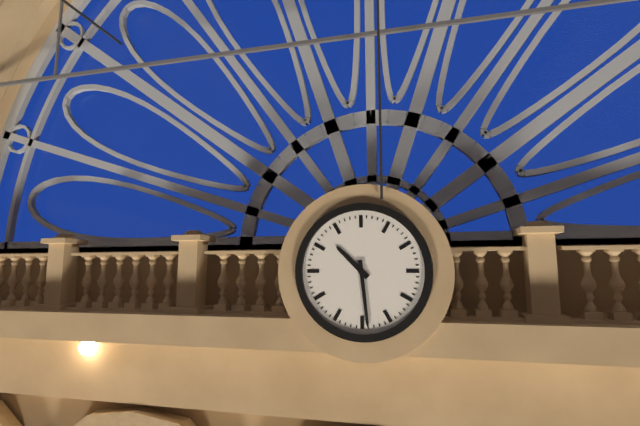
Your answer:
**10:29**
